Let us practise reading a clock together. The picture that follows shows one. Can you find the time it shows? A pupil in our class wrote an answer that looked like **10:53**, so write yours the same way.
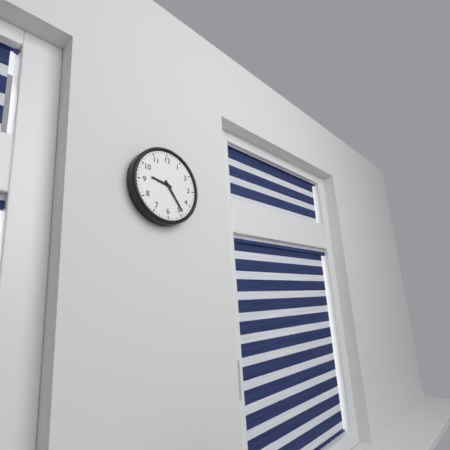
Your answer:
**9:24**
